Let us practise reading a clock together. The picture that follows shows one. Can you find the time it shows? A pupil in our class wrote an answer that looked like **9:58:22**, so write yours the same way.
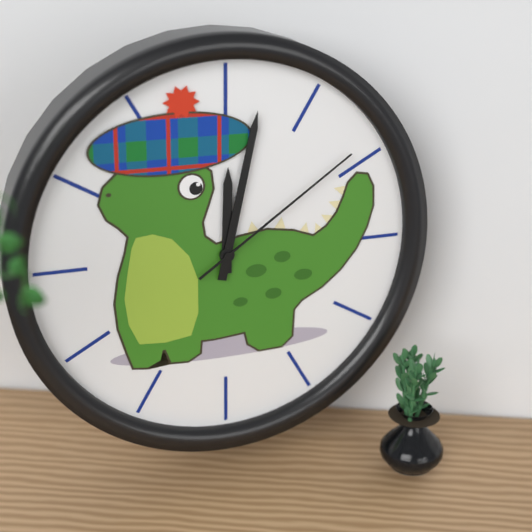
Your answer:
**12:02:09**
